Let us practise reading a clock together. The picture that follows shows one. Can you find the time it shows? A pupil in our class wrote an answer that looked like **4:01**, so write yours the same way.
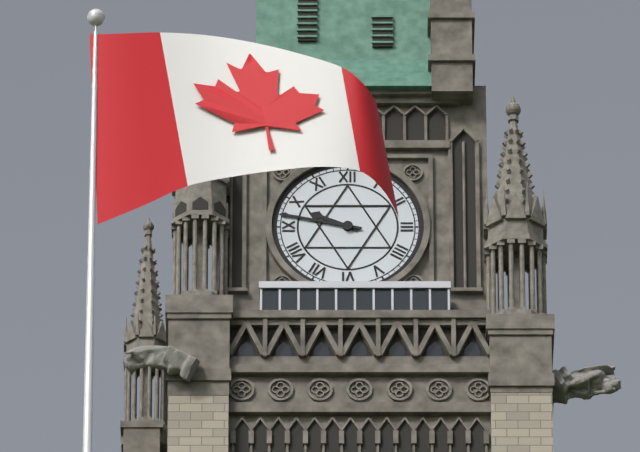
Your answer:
**9:47**
